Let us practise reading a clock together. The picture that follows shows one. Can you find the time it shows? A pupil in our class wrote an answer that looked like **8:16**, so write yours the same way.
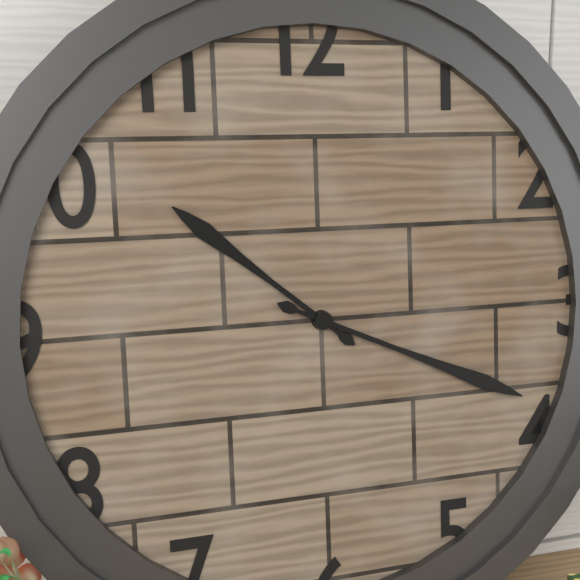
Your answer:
**10:19**
